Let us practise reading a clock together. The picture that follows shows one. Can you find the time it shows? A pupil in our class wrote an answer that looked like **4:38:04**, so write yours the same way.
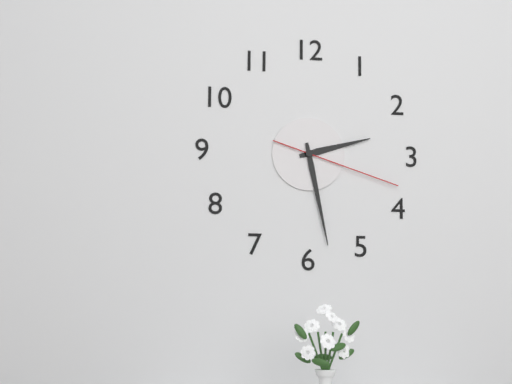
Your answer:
**2:28:18**
